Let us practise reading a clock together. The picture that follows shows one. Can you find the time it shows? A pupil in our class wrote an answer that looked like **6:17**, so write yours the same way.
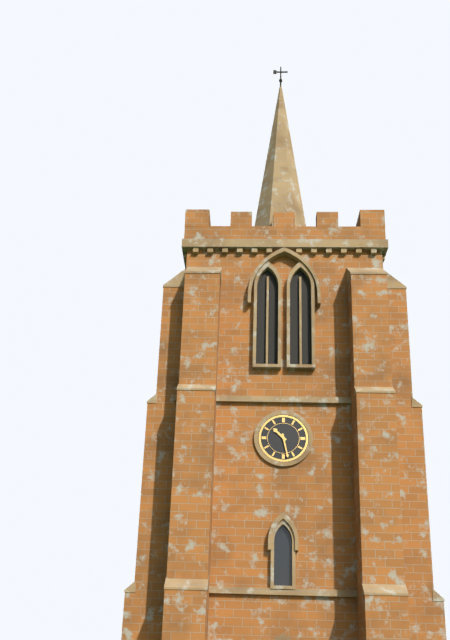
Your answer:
**10:28**
